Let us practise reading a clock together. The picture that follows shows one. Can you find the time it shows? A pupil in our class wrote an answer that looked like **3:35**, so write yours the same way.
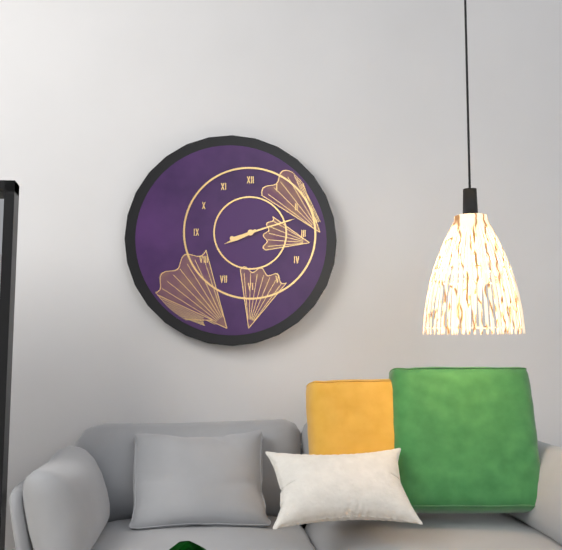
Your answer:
**8:12**
